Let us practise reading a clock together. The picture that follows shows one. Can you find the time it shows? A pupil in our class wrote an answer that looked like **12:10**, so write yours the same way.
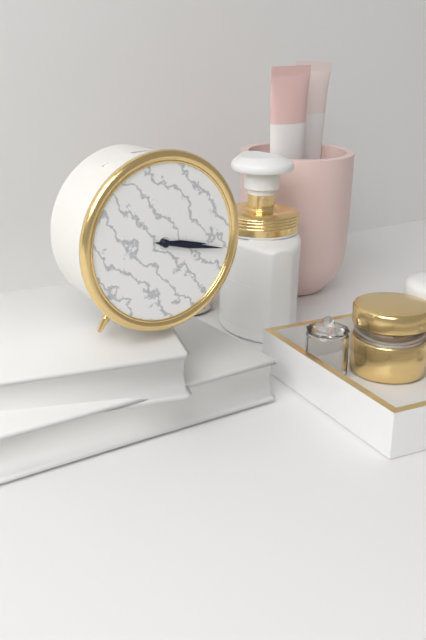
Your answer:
**3:17**
